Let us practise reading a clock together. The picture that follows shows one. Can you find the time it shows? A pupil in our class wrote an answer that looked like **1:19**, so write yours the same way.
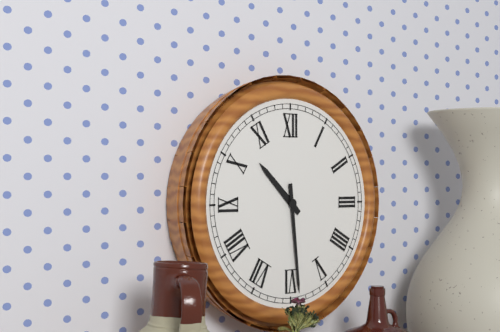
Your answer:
**10:29**
